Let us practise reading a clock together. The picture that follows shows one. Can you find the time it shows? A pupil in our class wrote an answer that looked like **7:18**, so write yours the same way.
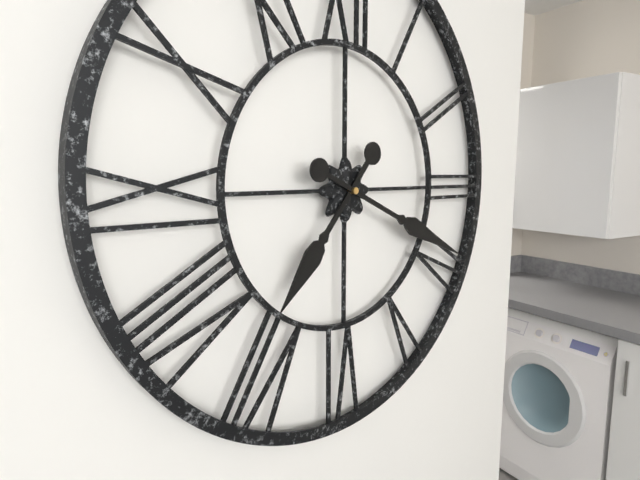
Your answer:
**7:19**
